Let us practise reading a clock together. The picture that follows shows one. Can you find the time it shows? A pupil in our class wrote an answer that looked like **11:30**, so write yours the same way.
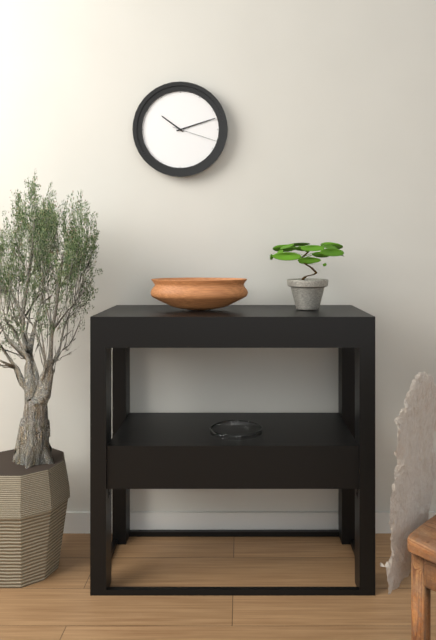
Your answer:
**10:12**
